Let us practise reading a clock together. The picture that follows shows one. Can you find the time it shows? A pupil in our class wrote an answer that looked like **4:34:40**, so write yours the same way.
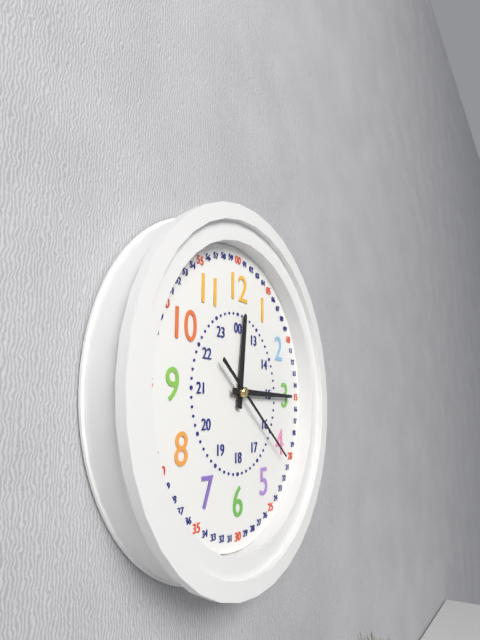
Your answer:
**12:15:21**
